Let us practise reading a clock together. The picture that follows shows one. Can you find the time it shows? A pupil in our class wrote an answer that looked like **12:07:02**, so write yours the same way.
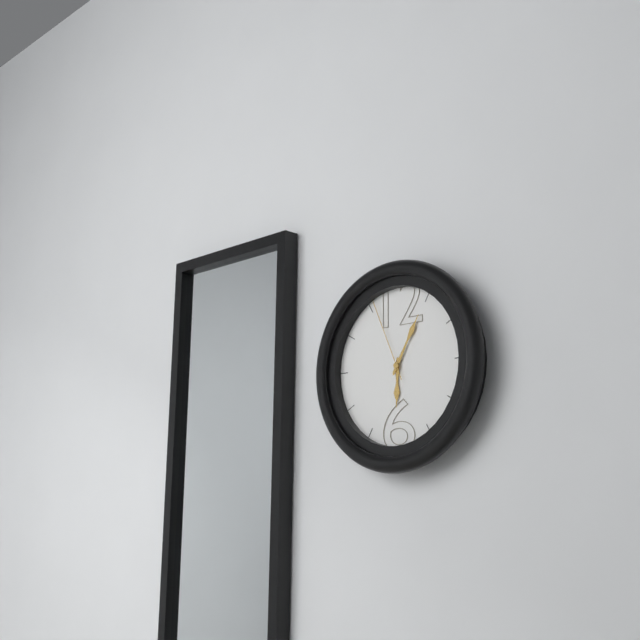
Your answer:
**6:05:56**
